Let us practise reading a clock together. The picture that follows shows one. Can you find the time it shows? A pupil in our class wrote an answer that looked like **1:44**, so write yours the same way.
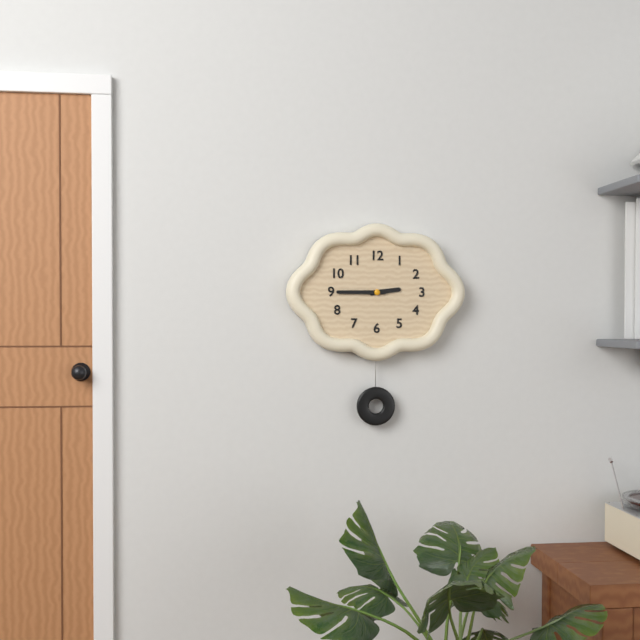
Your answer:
**2:45**
